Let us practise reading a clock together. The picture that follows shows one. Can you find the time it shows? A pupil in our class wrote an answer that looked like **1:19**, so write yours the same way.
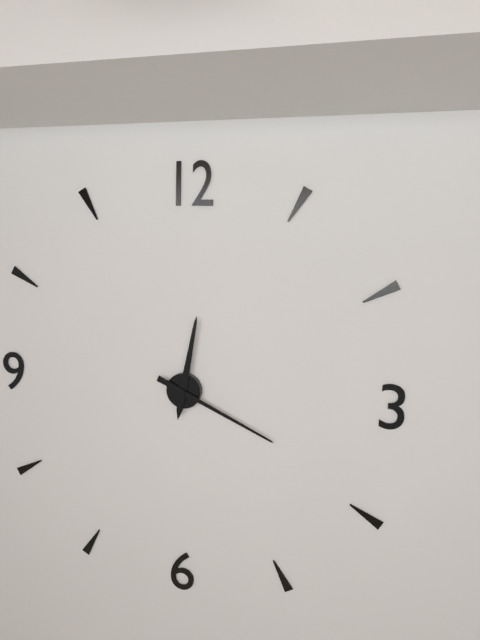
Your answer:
**12:19**
